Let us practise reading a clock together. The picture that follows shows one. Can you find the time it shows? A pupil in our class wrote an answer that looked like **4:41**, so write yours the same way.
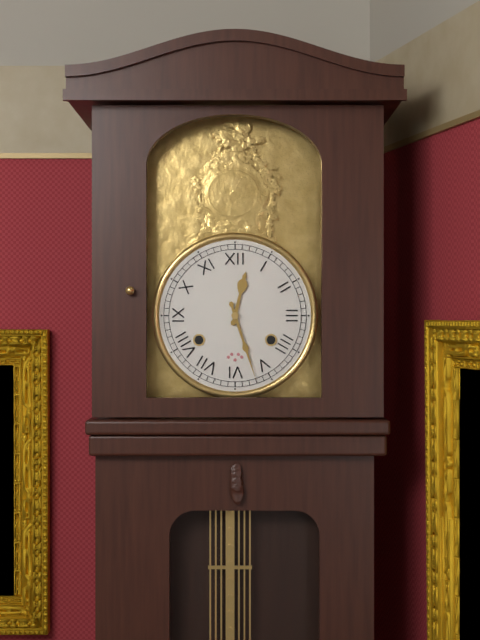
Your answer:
**12:27**
